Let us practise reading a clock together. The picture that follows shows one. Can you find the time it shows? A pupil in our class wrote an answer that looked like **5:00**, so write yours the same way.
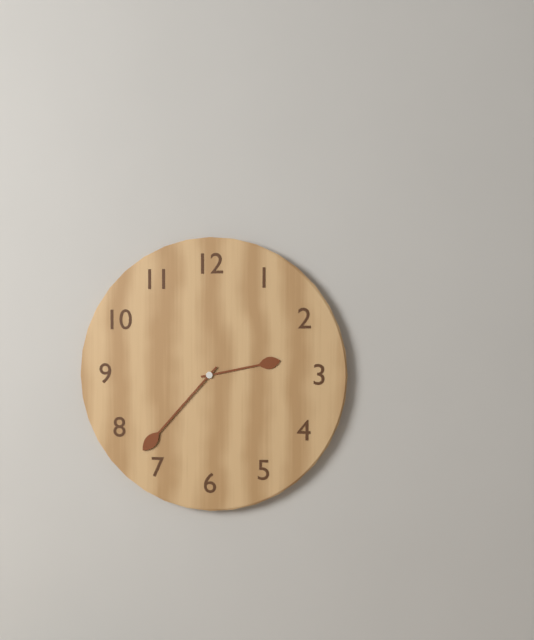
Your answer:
**2:37**
